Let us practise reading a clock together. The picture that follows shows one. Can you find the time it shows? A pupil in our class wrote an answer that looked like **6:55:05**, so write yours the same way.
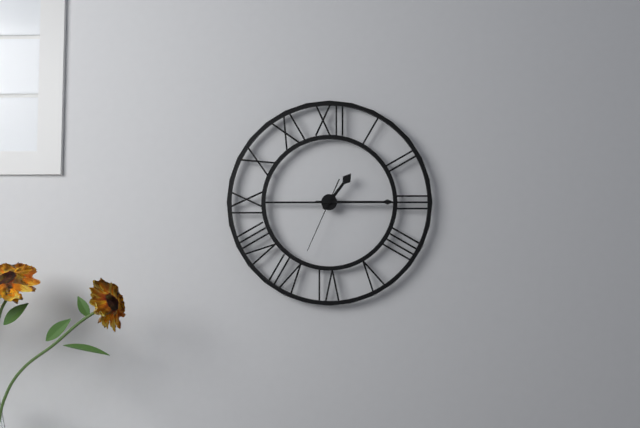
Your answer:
**1:15:34**
